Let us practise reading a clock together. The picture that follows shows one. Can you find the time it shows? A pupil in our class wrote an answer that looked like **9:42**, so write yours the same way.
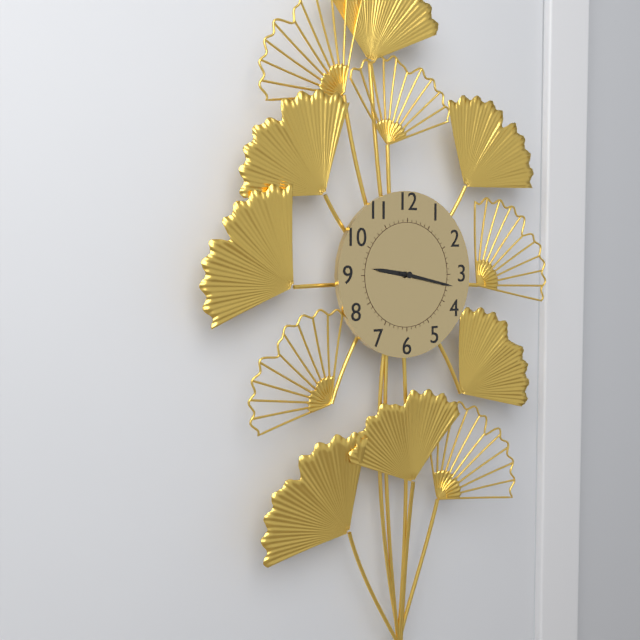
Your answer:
**9:17**
